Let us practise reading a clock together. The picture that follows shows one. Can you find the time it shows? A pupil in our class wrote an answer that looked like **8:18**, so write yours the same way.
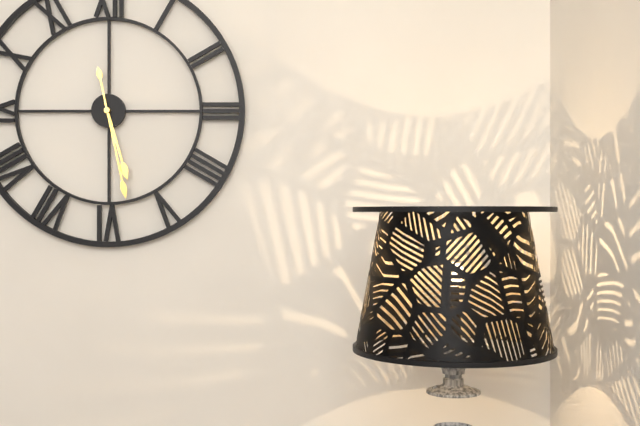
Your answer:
**5:28**
